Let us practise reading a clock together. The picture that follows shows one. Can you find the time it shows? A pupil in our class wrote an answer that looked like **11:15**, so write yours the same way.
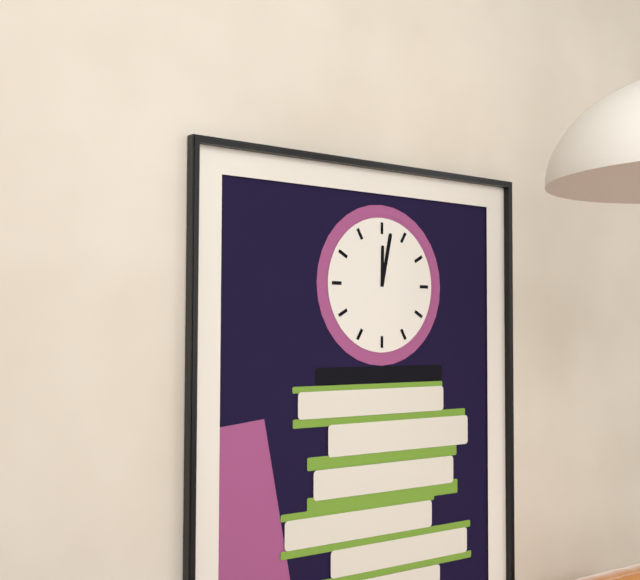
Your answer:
**12:02**
